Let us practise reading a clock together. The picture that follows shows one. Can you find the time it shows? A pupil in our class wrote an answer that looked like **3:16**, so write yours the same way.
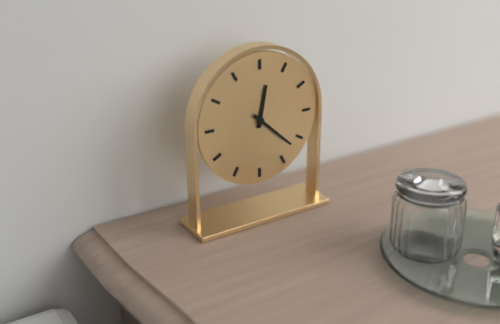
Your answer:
**12:22**
